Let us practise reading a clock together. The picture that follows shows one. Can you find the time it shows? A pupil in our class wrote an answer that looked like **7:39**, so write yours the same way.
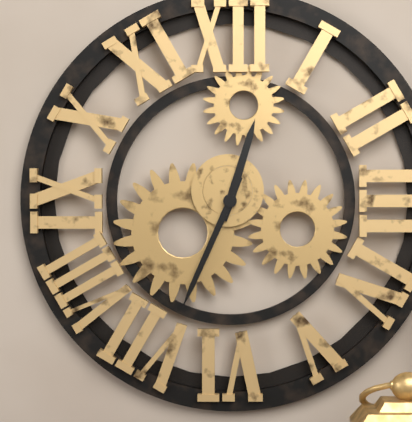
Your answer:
**12:34**
